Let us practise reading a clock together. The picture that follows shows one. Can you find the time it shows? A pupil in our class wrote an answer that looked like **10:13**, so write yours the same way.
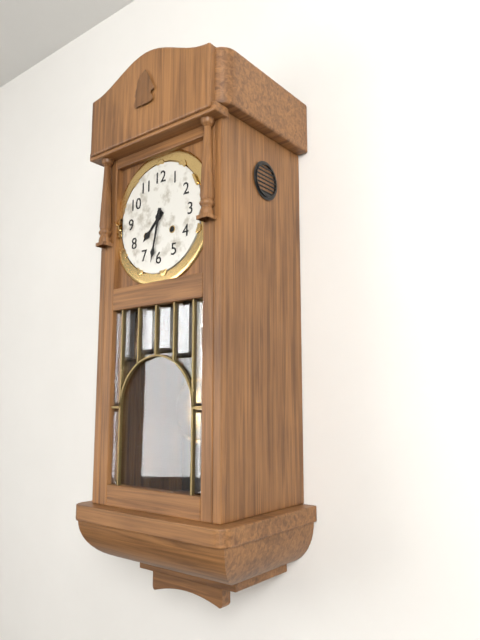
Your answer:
**7:32**
